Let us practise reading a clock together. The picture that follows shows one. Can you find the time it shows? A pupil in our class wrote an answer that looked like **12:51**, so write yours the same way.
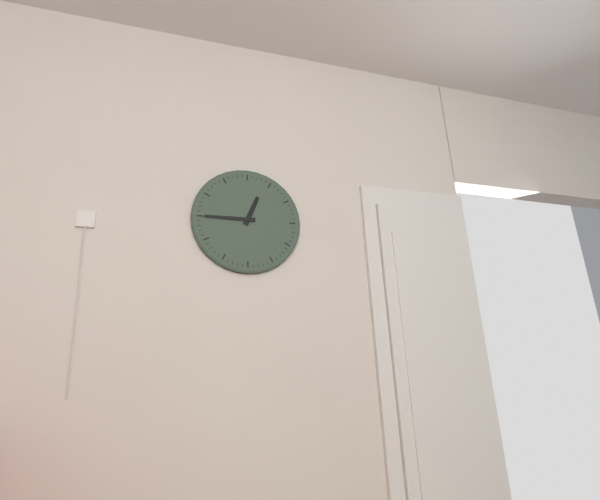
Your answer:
**12:45**
